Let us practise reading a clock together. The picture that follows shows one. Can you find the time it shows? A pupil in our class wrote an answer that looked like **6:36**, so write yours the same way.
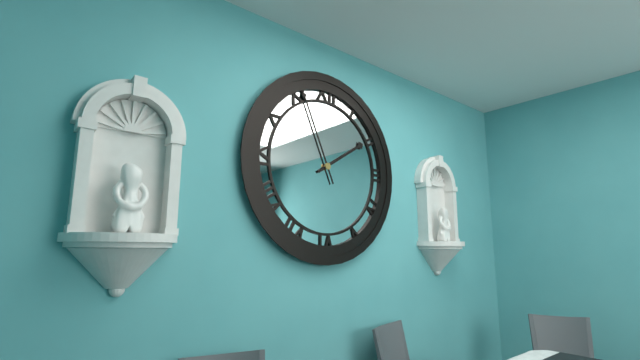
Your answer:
**1:56**
